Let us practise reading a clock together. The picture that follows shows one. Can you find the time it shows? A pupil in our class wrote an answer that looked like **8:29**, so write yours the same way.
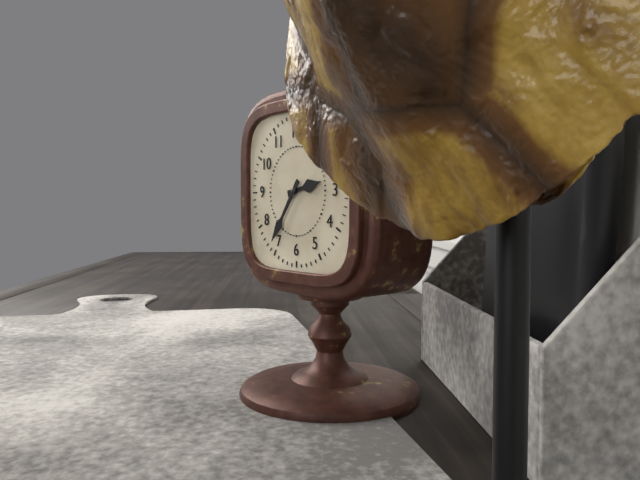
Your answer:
**2:36**
